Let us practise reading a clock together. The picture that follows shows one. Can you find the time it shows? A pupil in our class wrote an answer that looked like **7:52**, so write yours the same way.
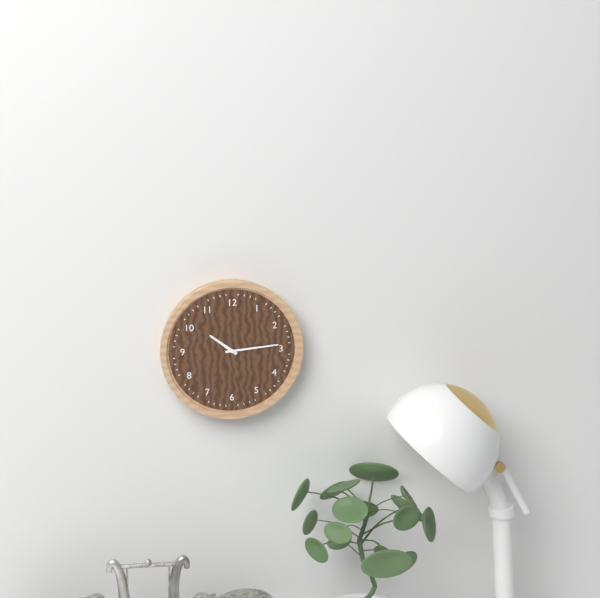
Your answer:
**10:14**
